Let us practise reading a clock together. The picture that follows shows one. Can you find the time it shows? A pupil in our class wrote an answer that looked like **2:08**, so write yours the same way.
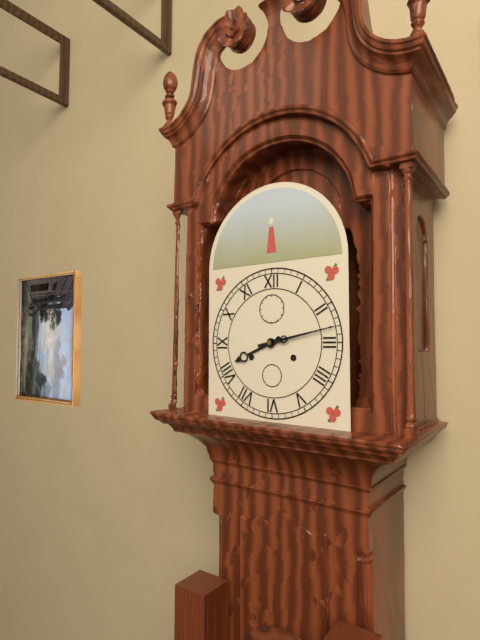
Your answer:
**8:13**
